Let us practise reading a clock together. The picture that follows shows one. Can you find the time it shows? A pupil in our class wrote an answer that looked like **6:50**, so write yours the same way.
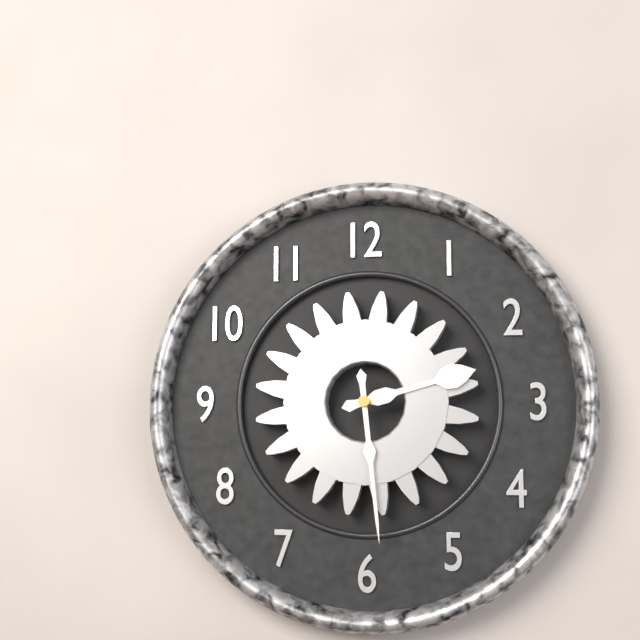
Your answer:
**2:29**
